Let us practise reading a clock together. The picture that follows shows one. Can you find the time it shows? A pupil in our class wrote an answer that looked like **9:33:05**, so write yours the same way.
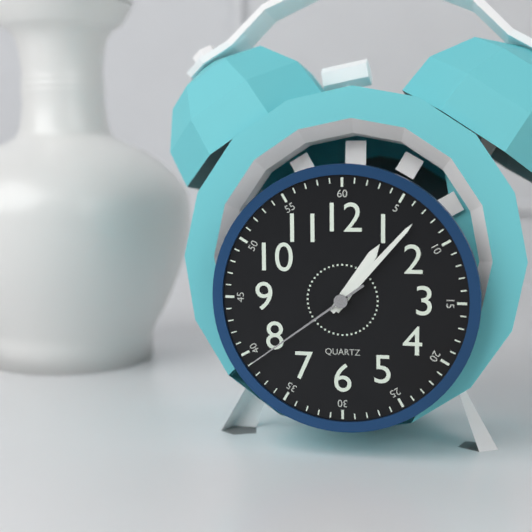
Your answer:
**1:07:39**
